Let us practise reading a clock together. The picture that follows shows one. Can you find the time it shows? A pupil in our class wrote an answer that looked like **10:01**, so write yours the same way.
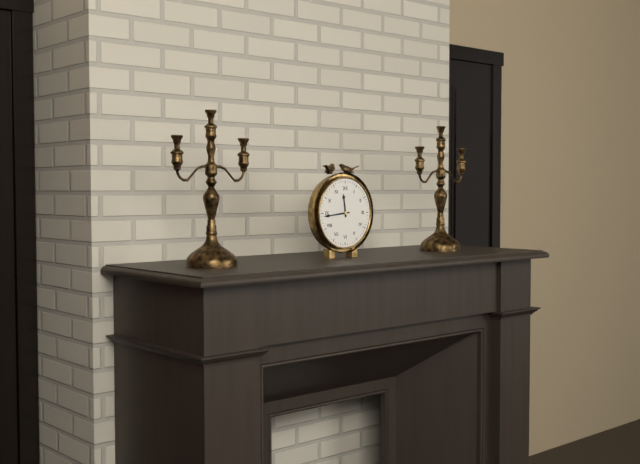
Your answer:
**11:44**
